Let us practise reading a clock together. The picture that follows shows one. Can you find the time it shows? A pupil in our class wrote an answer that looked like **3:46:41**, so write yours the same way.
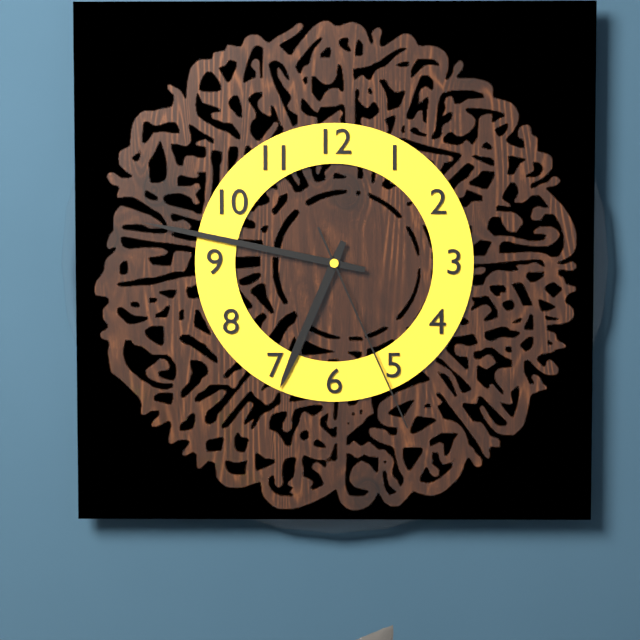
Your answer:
**6:47:26**
